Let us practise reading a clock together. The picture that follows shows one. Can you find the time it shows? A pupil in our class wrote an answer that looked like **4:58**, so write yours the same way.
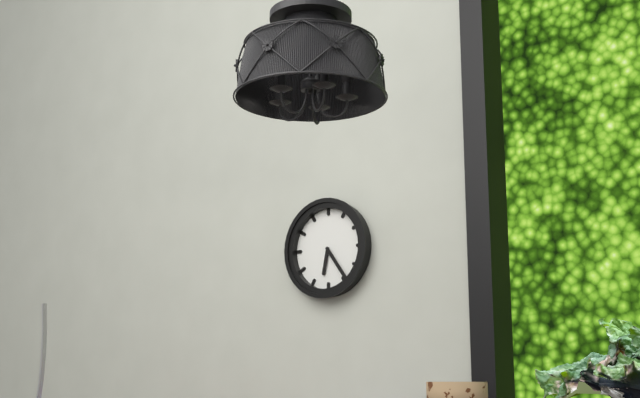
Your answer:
**6:24**
